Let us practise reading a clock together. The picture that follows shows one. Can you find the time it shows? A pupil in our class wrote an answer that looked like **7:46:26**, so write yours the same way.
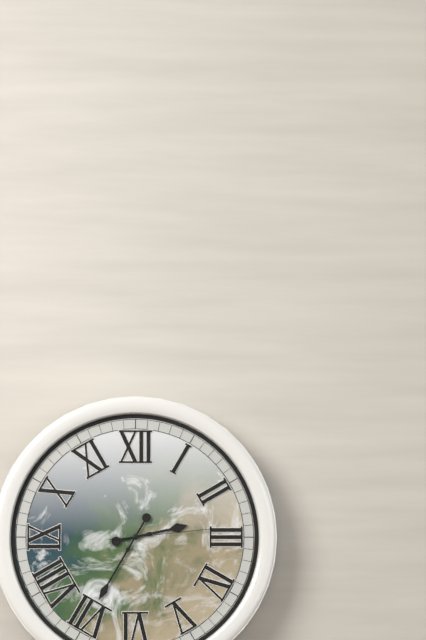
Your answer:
**2:35:14**
